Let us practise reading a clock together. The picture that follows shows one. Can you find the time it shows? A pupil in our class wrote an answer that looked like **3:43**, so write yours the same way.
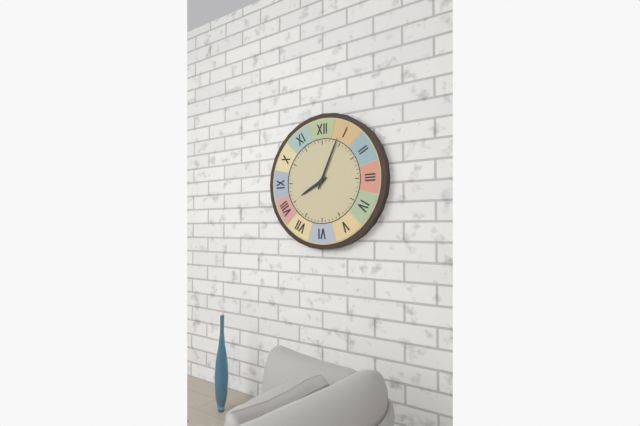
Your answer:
**8:04**
